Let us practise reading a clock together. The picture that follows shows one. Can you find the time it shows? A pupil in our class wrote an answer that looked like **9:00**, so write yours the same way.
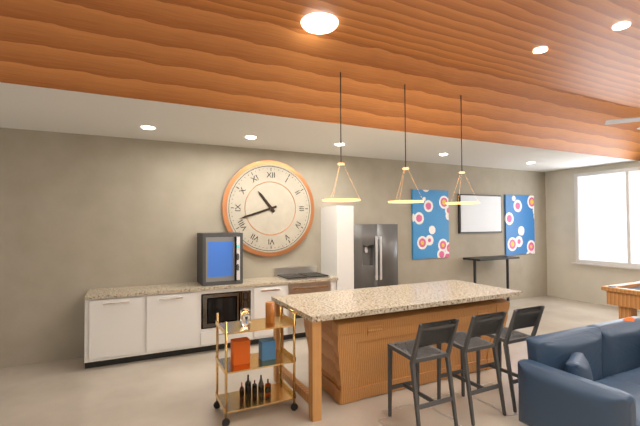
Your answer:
**10:42**
